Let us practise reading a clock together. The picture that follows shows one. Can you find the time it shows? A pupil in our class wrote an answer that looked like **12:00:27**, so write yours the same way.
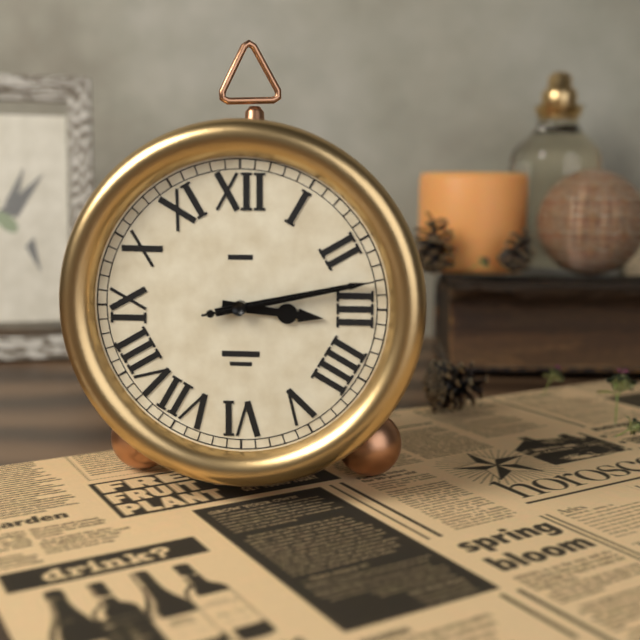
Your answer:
**3:13:13**
